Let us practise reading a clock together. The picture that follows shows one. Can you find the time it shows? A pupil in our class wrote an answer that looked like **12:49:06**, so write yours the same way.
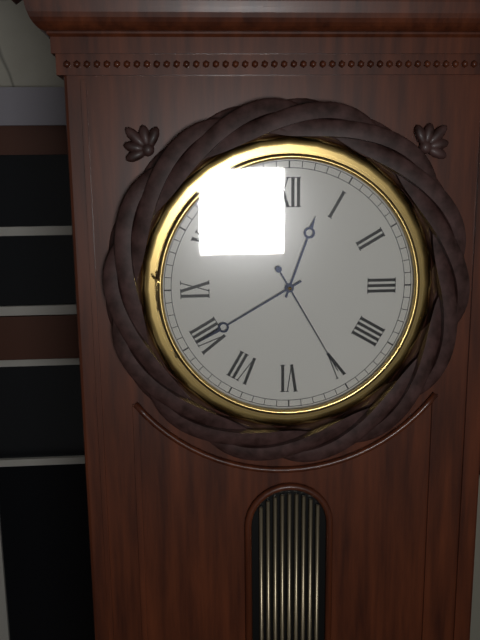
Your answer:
**12:40:25**
